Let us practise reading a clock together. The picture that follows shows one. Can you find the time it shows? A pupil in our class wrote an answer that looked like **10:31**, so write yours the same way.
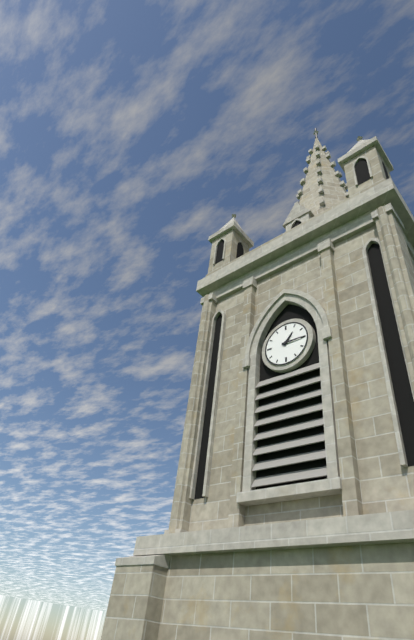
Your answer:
**1:15**
